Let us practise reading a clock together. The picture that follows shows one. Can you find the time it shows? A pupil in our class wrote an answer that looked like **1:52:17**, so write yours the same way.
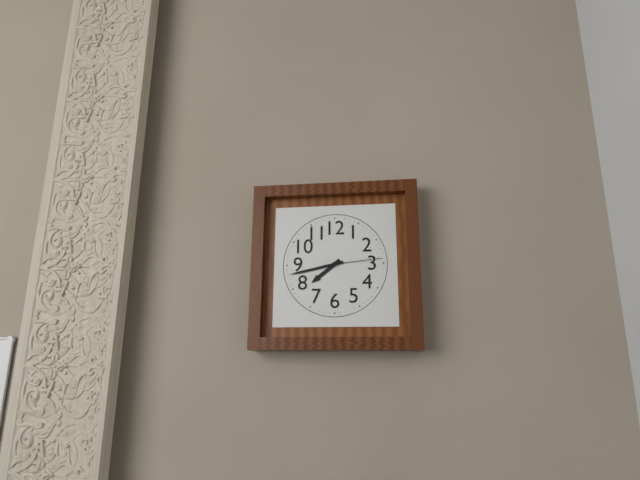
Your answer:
**7:43:14**
